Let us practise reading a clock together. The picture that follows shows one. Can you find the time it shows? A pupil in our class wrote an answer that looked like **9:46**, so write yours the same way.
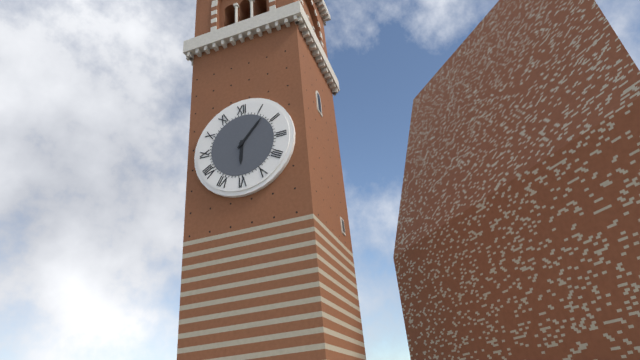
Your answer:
**6:07**
